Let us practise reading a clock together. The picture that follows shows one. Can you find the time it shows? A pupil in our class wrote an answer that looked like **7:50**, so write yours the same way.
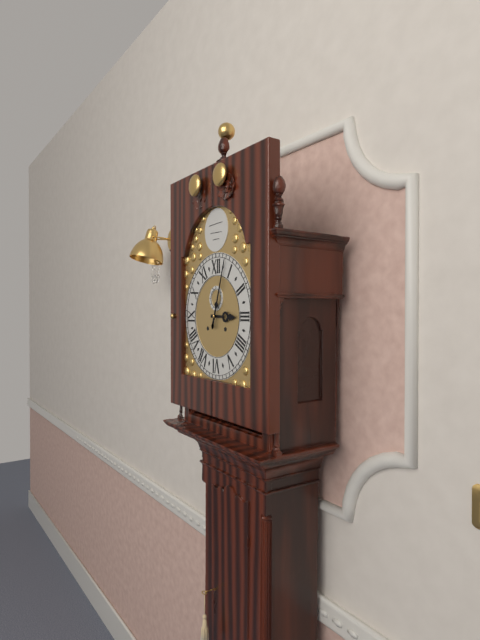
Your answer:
**3:03**
